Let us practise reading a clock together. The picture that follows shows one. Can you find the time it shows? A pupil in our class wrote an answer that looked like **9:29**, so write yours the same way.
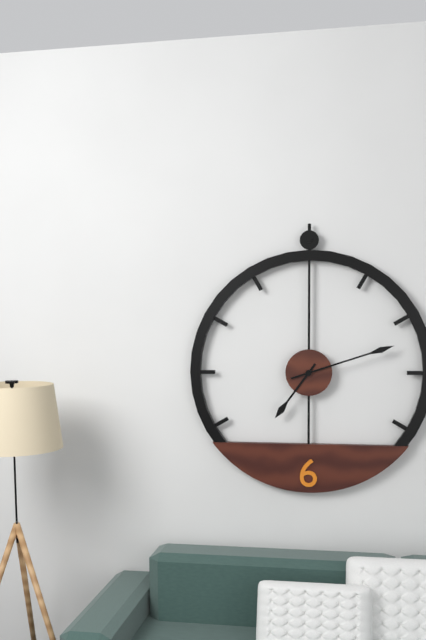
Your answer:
**7:12**
